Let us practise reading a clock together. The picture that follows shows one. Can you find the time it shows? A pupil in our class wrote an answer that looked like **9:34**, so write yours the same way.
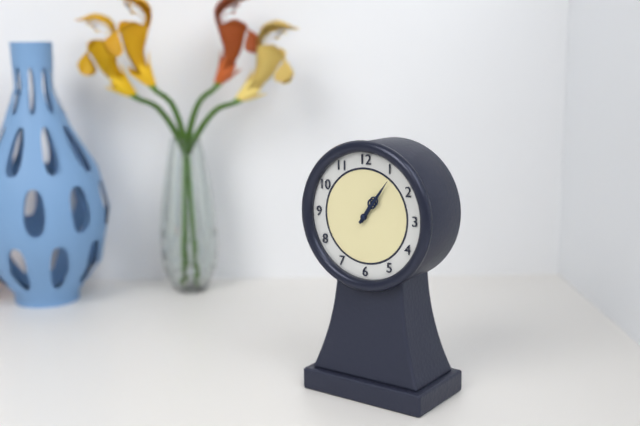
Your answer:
**1:06**
